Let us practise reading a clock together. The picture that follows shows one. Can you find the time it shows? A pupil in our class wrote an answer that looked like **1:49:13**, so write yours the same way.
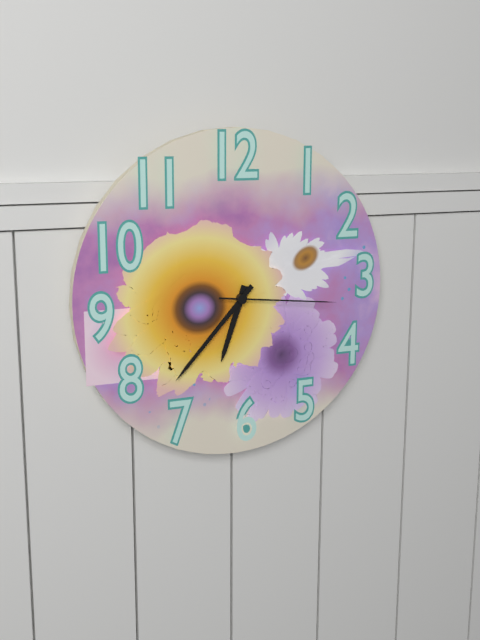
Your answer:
**6:37:16**
